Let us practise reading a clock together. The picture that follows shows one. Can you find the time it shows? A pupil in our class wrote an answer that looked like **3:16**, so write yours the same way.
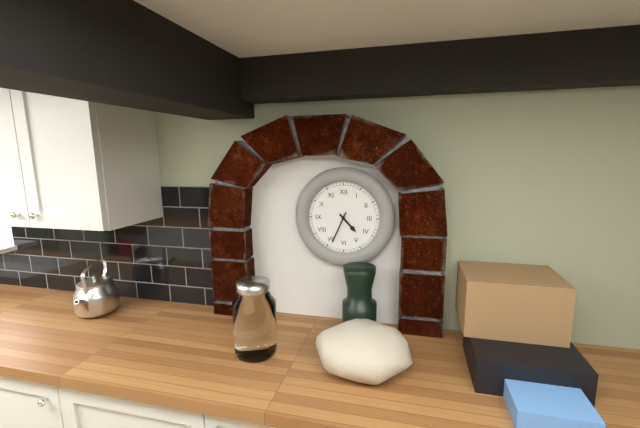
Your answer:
**4:34**
